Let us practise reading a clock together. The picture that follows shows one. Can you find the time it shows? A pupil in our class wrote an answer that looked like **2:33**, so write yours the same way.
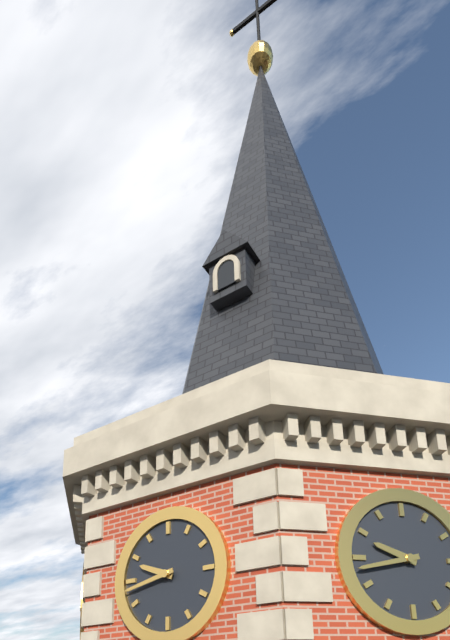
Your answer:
**9:43**
